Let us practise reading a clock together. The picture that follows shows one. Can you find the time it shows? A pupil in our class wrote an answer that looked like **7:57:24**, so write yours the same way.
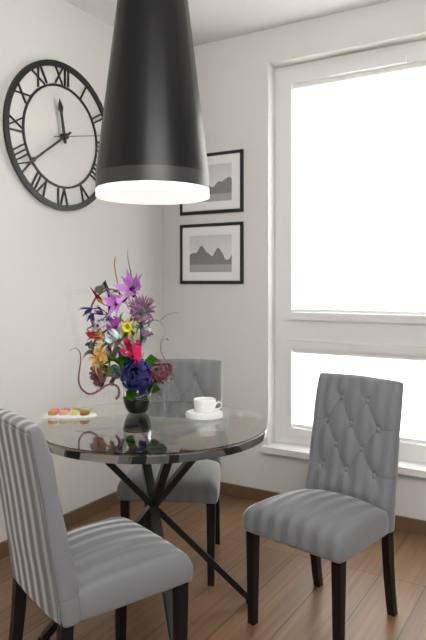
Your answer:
**11:39:13**
